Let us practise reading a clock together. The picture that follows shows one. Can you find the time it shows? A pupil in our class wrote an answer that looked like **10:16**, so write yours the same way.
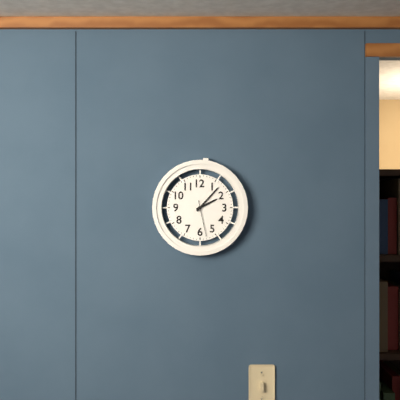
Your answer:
**2:07**
